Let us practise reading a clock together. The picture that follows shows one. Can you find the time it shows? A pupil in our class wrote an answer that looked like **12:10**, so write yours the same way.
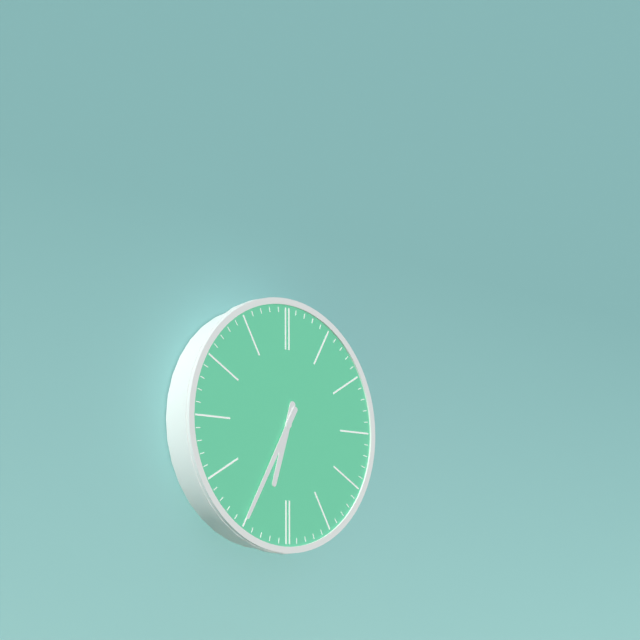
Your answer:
**6:35**
